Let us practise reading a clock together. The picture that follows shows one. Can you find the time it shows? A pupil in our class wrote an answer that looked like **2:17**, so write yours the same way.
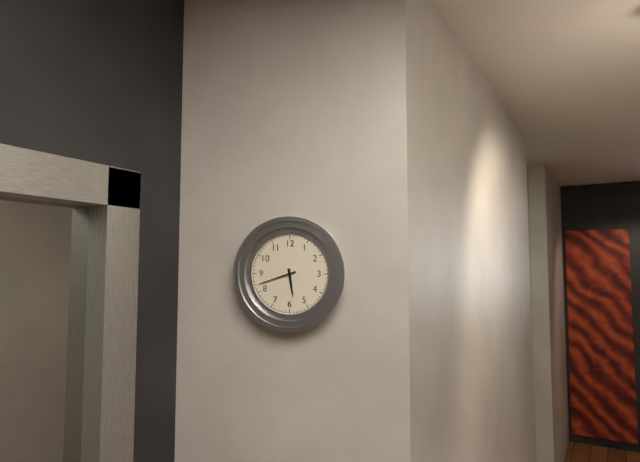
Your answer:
**5:42**
